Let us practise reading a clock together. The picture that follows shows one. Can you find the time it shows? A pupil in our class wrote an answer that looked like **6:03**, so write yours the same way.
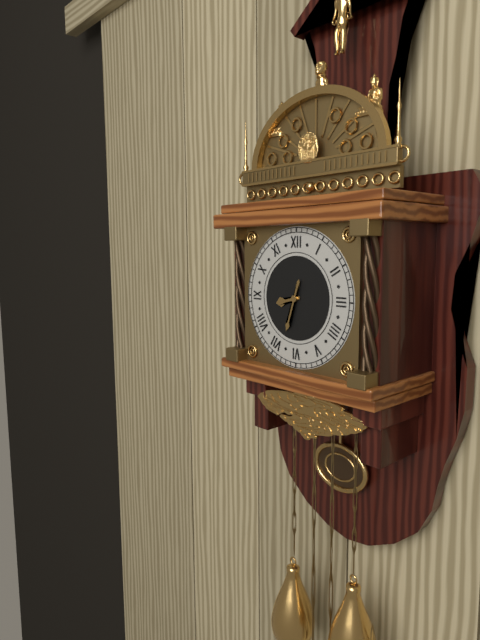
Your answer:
**8:33**
